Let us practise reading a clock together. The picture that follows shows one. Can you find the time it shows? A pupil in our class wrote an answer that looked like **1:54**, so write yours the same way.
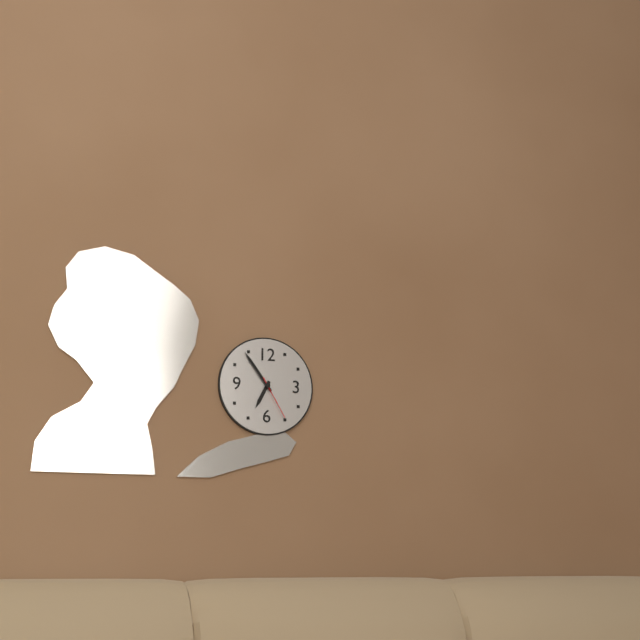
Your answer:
**6:54**
